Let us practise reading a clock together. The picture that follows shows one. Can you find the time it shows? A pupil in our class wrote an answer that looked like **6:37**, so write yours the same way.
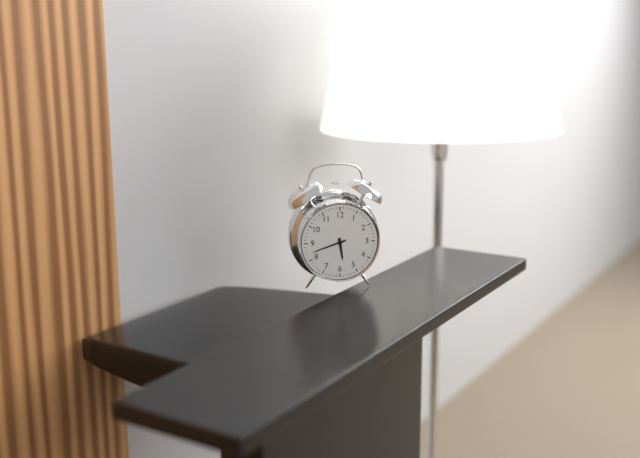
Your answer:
**5:42**
